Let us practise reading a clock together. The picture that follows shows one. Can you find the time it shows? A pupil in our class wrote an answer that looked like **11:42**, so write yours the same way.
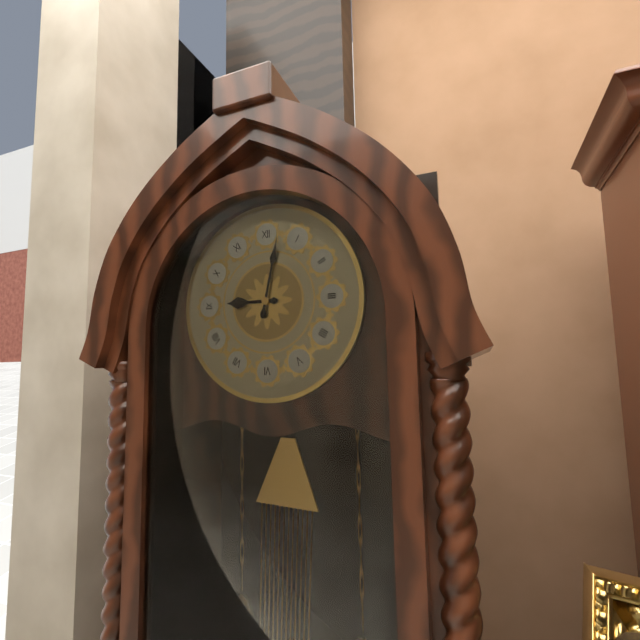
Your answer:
**9:02**
